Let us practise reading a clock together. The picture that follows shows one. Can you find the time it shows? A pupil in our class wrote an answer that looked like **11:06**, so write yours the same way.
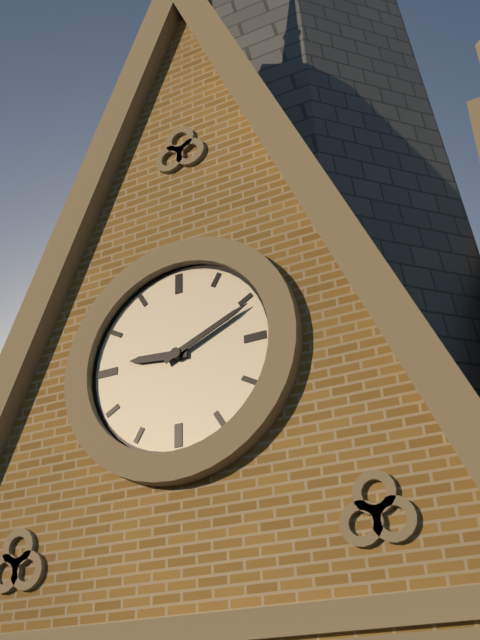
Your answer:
**9:11**
